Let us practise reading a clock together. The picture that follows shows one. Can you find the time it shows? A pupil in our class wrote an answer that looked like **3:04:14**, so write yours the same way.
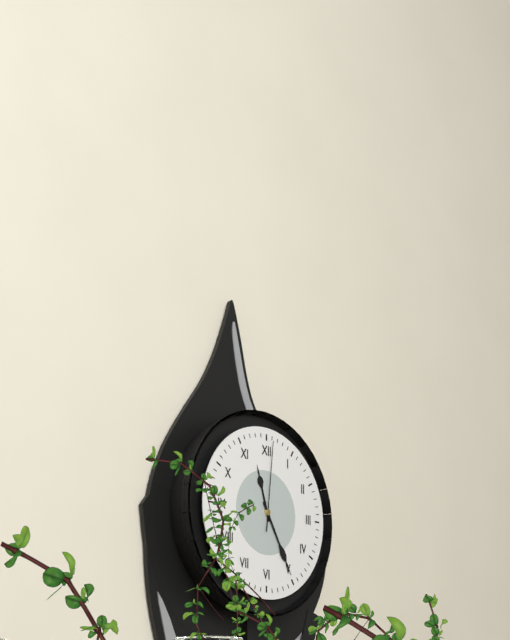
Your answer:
**11:25:01**
